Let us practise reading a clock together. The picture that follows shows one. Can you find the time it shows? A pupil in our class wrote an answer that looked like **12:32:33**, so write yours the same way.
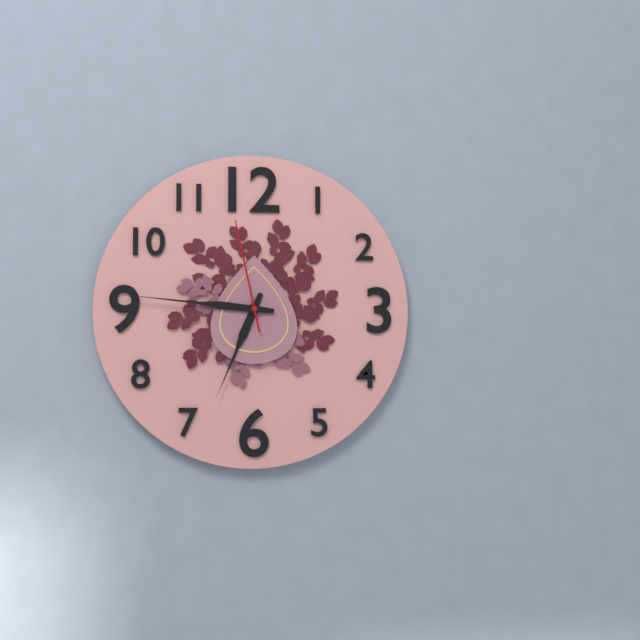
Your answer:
**6:46:58**
